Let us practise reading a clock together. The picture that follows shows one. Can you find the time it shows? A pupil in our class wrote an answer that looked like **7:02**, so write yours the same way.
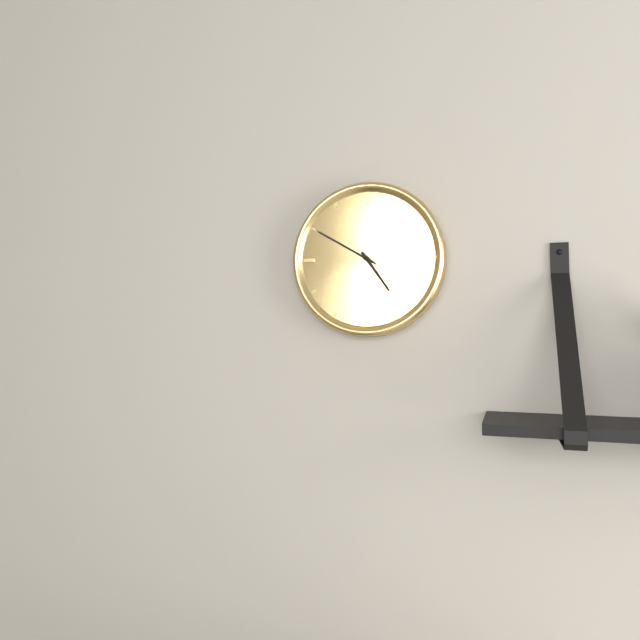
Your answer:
**4:50**
